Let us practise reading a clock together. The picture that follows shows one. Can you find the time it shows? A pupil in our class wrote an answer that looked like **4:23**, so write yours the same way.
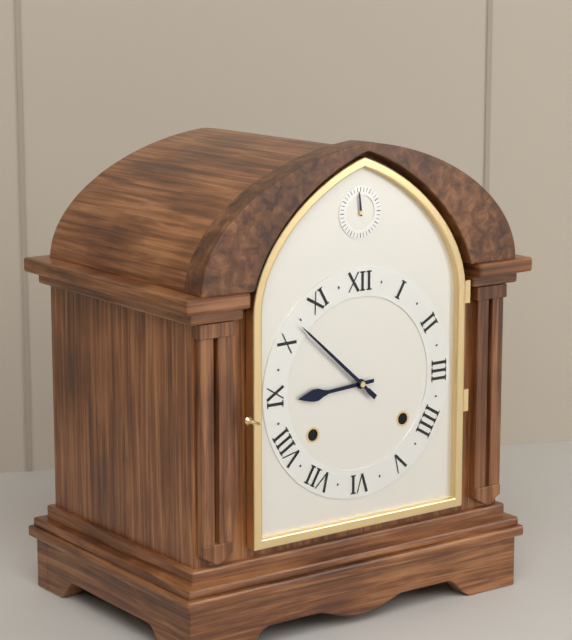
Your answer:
**8:52**
